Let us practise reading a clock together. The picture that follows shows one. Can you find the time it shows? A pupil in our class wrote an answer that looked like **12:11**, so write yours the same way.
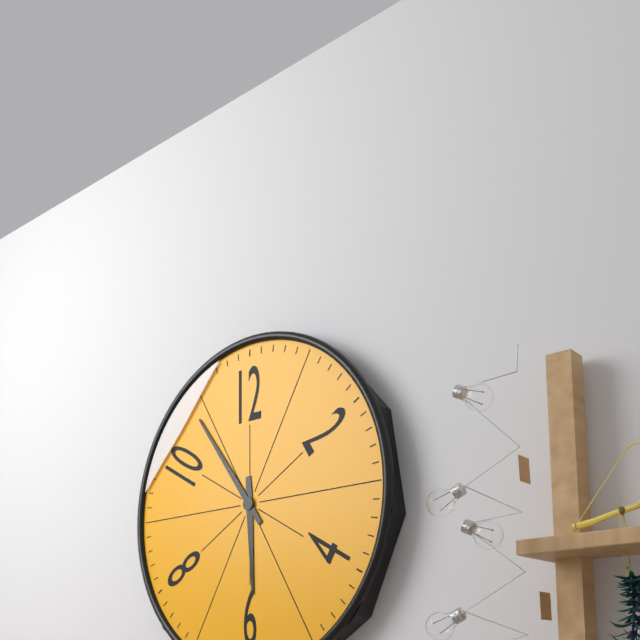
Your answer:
**5:54**
